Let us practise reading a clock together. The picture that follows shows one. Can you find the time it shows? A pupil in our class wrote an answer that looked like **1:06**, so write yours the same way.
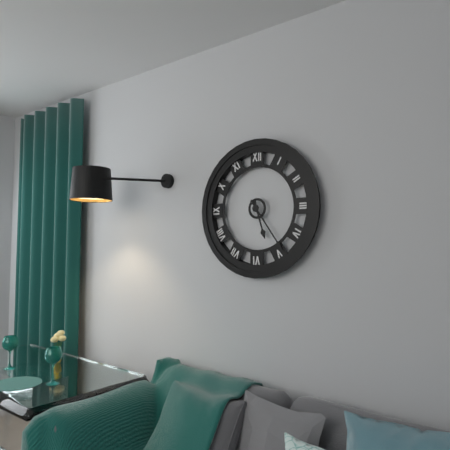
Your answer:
**5:24**
